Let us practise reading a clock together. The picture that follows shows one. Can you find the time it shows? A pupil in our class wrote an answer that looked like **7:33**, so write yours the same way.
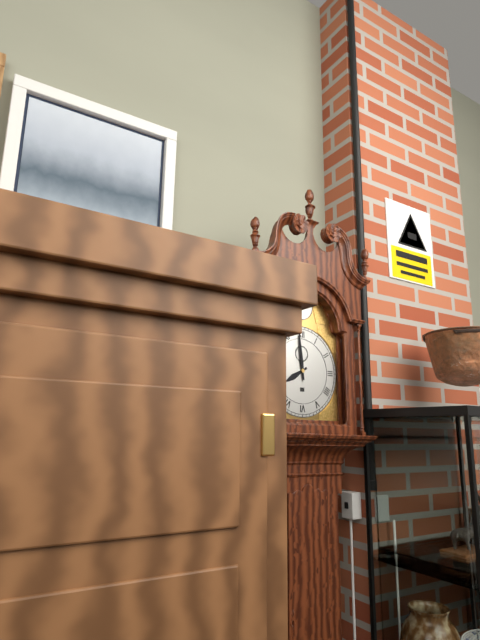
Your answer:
**7:59**
